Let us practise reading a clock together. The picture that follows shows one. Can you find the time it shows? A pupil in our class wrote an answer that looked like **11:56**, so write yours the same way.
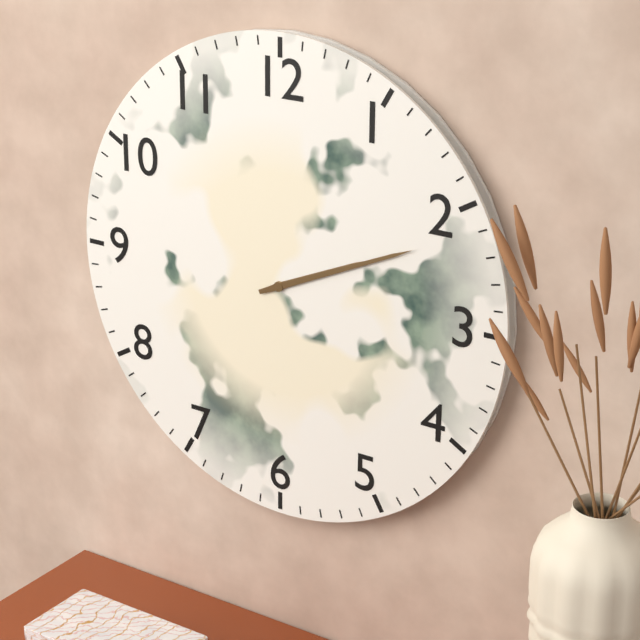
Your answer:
**2:11**
